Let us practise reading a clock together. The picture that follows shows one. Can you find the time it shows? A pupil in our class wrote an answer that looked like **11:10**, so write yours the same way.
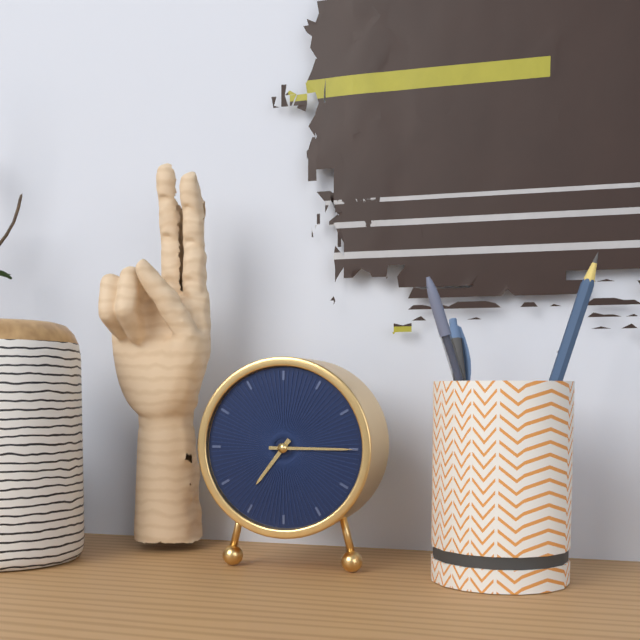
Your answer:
**7:15**
